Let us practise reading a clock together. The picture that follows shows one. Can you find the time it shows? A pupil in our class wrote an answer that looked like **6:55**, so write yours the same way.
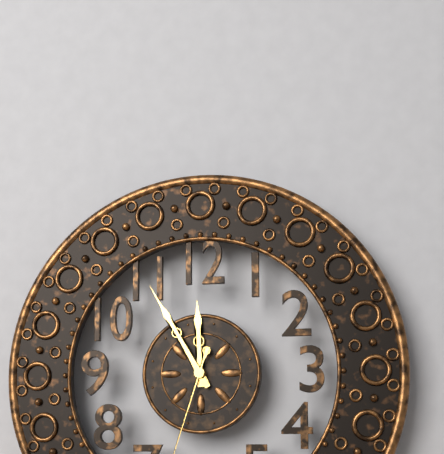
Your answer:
**11:55**
